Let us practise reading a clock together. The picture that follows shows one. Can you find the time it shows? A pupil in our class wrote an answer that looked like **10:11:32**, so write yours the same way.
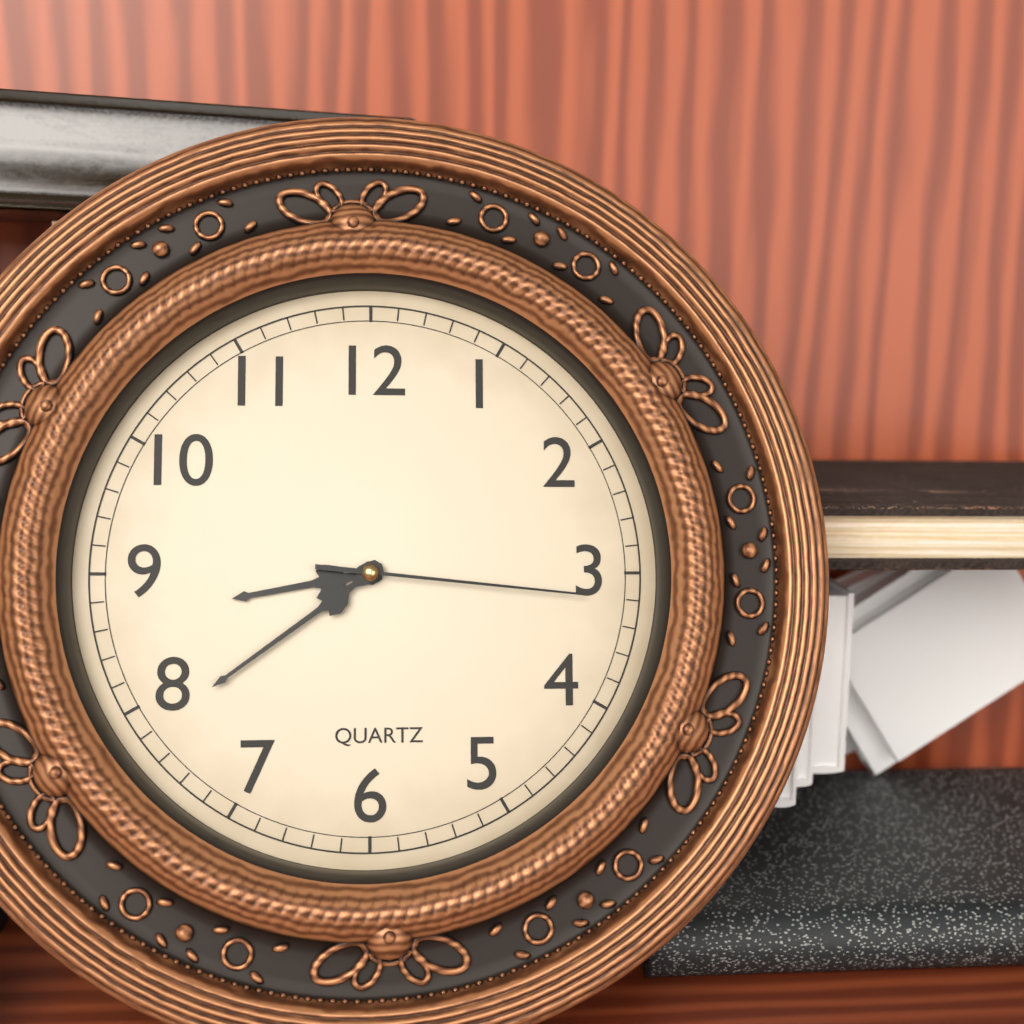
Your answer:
**8:39:16**
